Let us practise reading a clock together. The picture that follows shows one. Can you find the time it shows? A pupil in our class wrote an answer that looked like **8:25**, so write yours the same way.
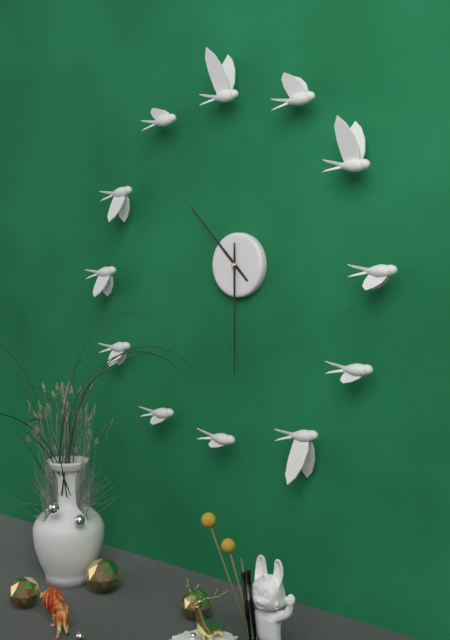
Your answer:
**10:30**
